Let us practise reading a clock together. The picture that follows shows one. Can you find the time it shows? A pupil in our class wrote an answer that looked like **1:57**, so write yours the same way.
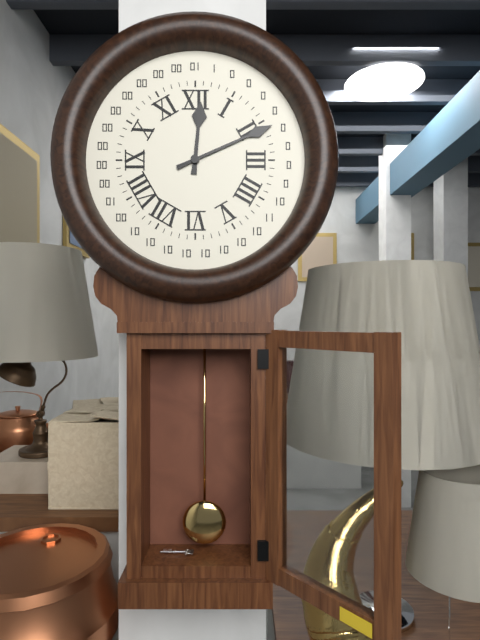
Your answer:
**12:11**
